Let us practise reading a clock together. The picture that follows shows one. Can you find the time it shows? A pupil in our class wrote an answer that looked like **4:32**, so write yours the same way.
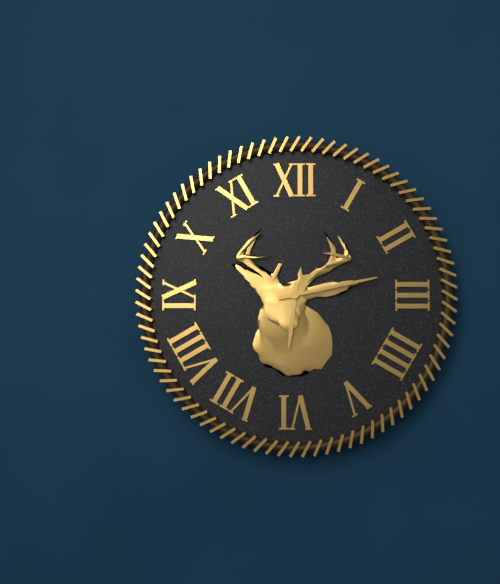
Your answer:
**6:13**
